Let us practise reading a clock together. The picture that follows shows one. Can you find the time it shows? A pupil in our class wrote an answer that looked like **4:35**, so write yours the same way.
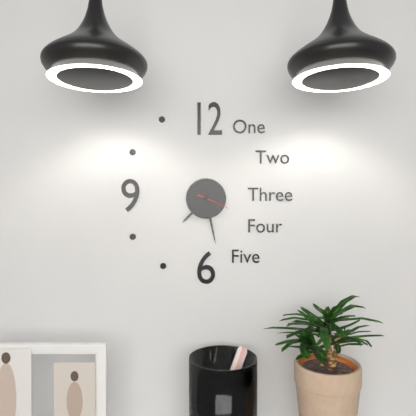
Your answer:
**7:28**
